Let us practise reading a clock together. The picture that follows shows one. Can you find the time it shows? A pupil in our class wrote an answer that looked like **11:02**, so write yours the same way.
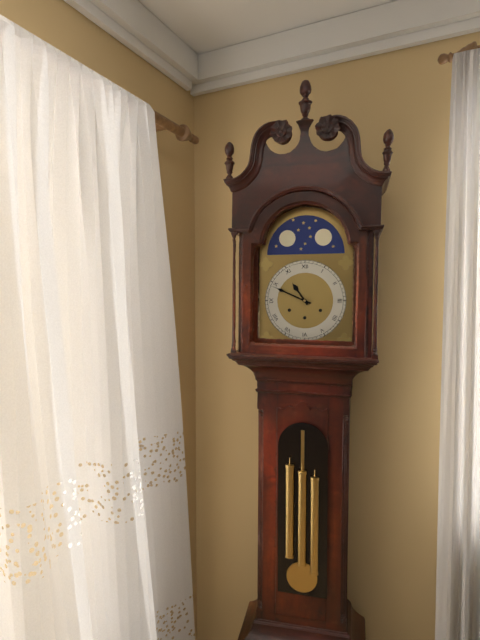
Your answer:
**10:49**
